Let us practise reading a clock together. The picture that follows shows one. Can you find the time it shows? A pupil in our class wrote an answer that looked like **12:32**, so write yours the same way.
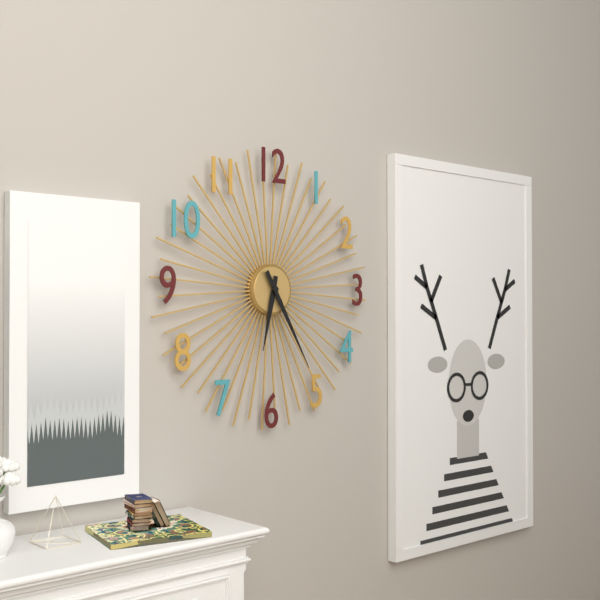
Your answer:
**6:25**
